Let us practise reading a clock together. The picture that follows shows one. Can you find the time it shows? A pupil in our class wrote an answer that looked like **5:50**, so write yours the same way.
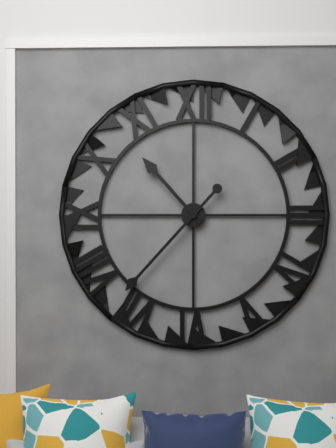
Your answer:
**10:37**
